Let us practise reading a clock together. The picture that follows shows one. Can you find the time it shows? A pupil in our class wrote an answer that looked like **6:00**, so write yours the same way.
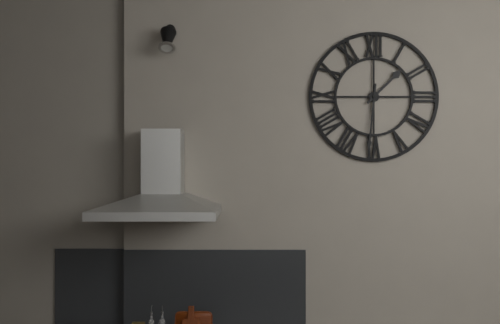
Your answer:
**1:31**
